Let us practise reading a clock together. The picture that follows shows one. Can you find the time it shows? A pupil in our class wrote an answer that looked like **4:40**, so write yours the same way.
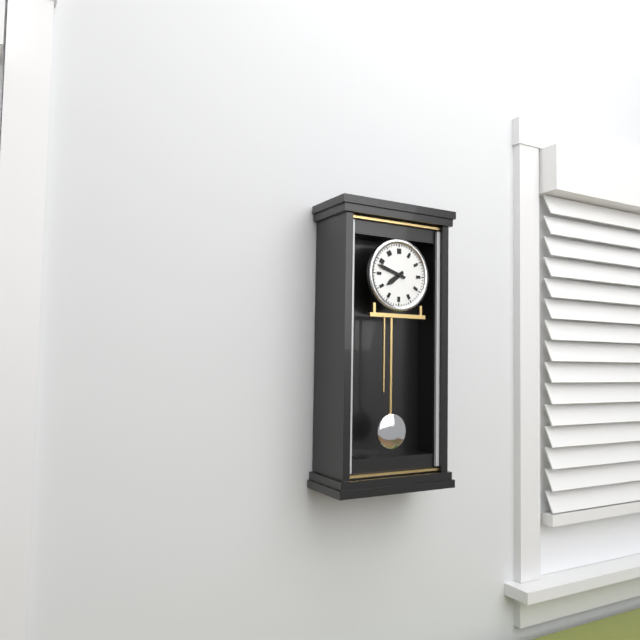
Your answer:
**7:48**
